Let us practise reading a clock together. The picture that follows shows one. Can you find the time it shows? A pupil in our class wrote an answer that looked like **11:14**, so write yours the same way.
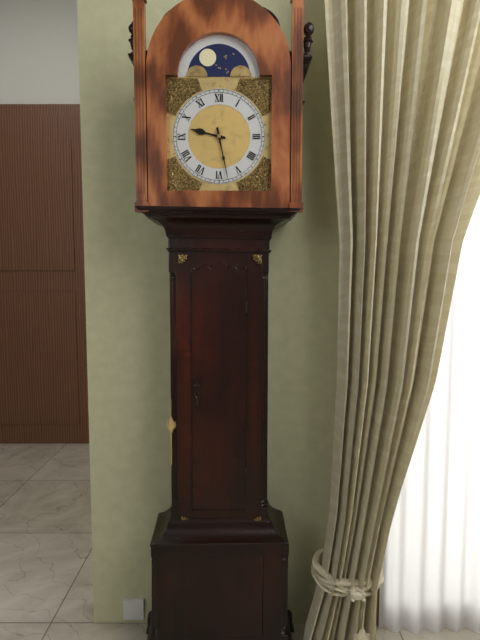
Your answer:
**9:28**
